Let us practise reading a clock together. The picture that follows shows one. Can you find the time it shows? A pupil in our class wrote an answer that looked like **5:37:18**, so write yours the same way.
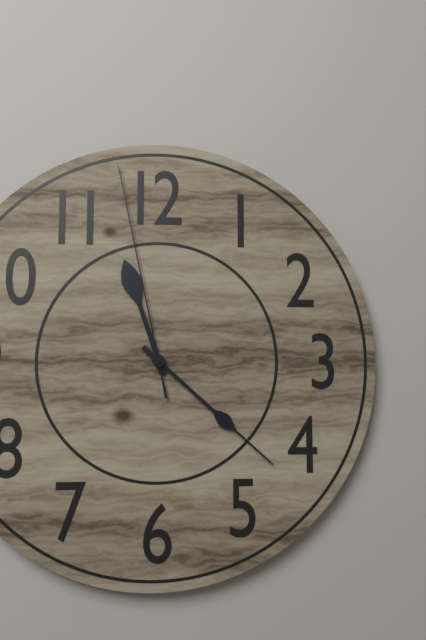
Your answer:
**11:22:58**
